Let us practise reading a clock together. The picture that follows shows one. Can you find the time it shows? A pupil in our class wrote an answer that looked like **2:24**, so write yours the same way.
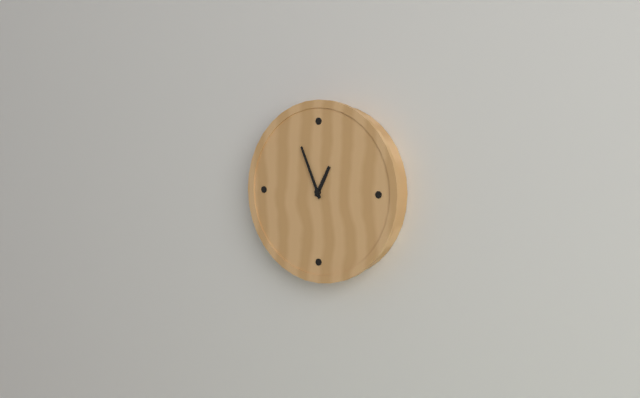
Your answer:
**12:56**
